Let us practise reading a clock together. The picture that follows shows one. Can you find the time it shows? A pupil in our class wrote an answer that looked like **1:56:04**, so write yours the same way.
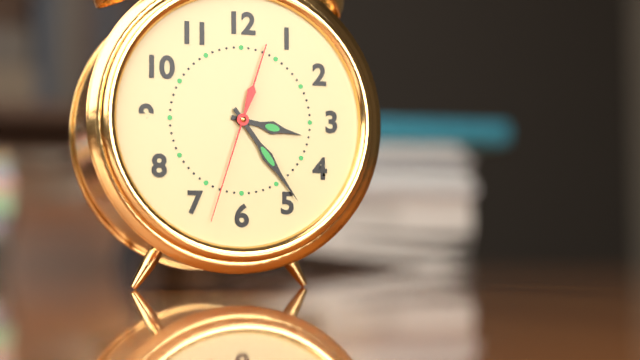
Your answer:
**3:24:33**
